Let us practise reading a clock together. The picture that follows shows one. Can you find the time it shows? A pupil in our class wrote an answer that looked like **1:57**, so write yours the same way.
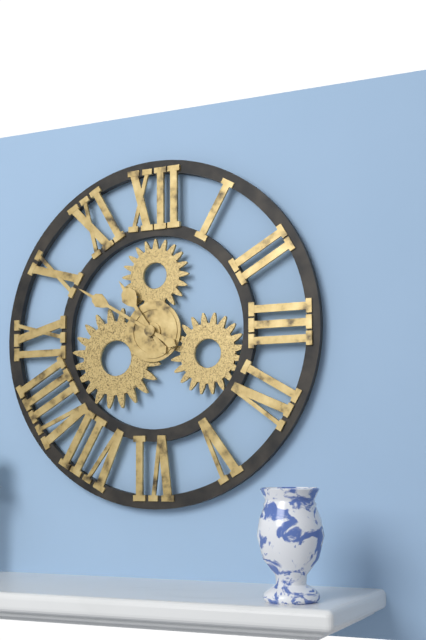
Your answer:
**10:50**
